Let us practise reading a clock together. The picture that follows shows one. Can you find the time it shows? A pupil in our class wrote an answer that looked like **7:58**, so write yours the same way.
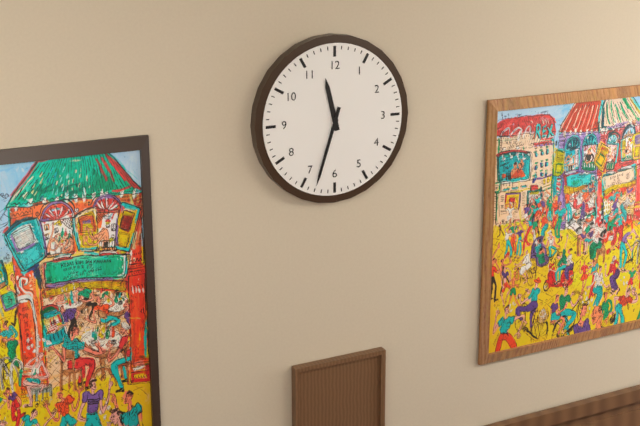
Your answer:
**11:33**
